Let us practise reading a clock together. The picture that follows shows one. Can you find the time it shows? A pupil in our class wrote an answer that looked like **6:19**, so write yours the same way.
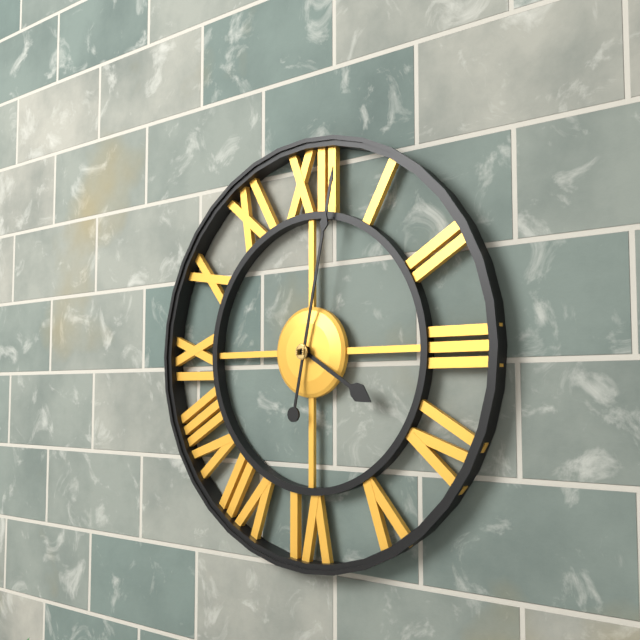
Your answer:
**4:02**
